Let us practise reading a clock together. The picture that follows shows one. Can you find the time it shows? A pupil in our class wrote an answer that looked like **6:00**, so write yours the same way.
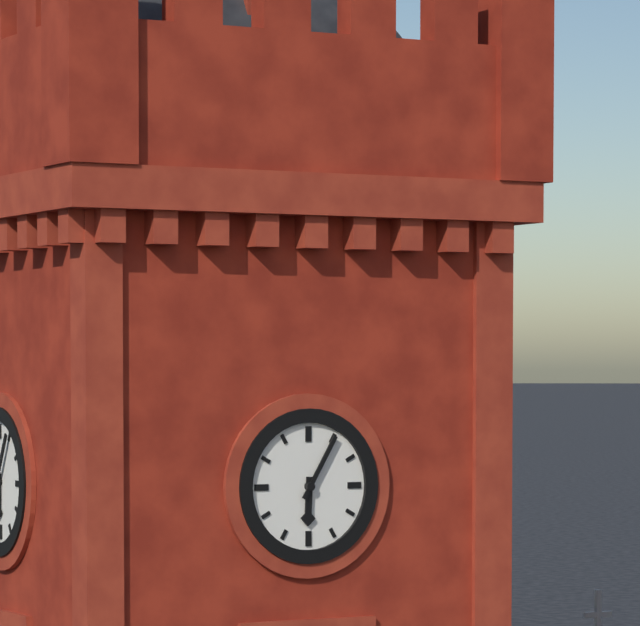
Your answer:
**6:05**
